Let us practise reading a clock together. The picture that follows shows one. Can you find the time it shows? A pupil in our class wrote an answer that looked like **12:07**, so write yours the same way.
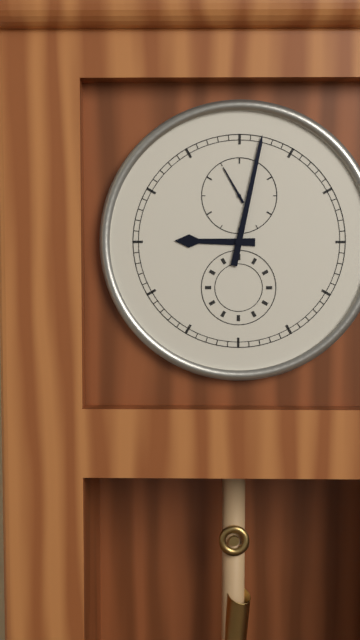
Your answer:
**9:02**
